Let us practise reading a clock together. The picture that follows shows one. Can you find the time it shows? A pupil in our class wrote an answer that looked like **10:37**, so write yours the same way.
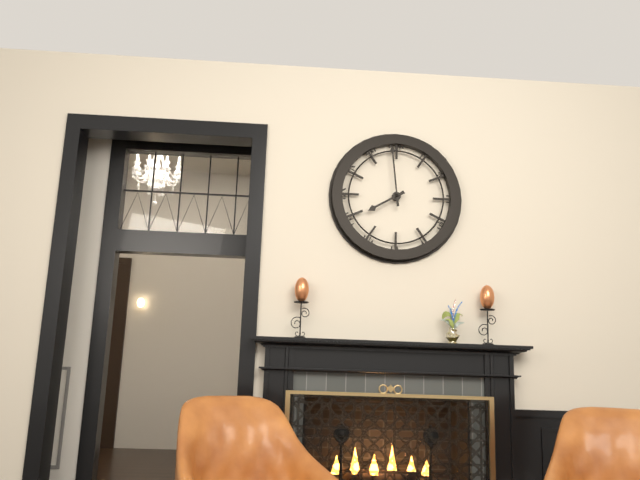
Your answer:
**7:59**
